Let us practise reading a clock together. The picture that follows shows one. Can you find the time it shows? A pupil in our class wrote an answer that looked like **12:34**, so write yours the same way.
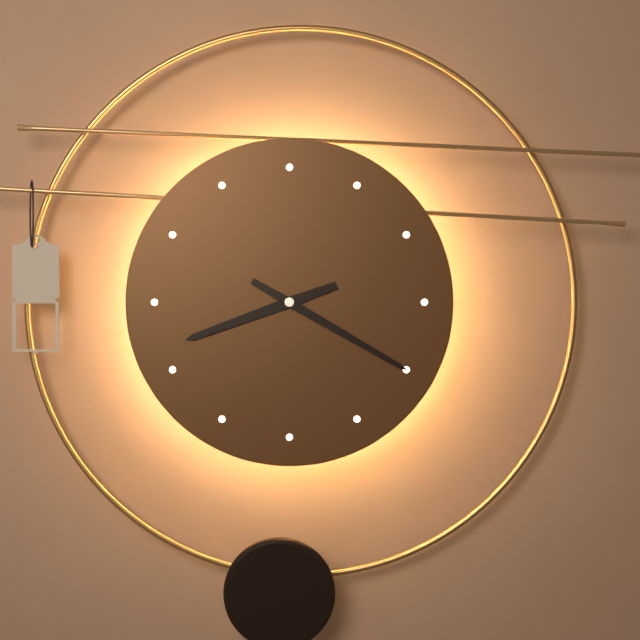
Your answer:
**8:20**
